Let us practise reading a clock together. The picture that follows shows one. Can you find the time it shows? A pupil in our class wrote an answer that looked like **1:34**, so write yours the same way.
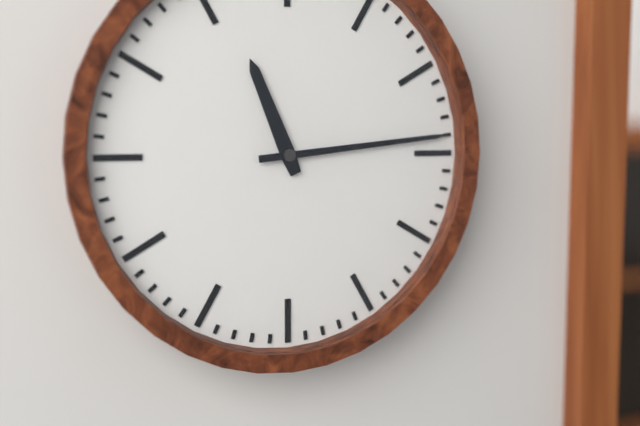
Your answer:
**11:14**
